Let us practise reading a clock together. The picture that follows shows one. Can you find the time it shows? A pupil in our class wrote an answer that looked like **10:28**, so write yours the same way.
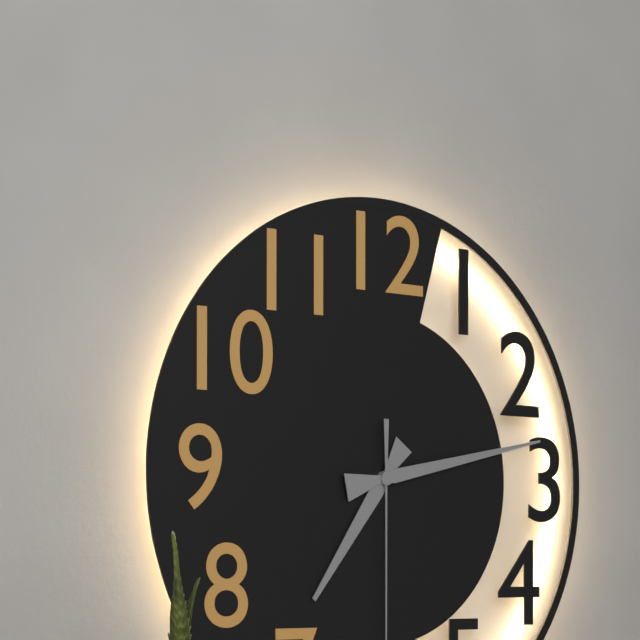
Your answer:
**7:13**
